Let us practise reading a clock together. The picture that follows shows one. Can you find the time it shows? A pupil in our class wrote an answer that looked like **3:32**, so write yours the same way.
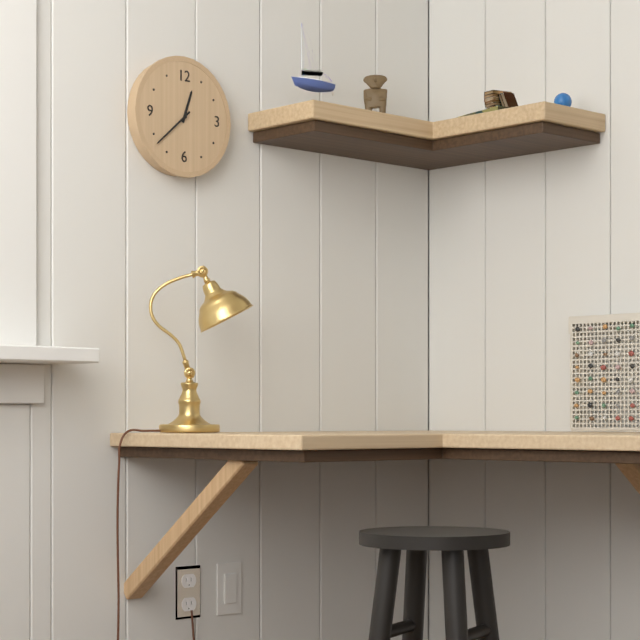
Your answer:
**12:38**
